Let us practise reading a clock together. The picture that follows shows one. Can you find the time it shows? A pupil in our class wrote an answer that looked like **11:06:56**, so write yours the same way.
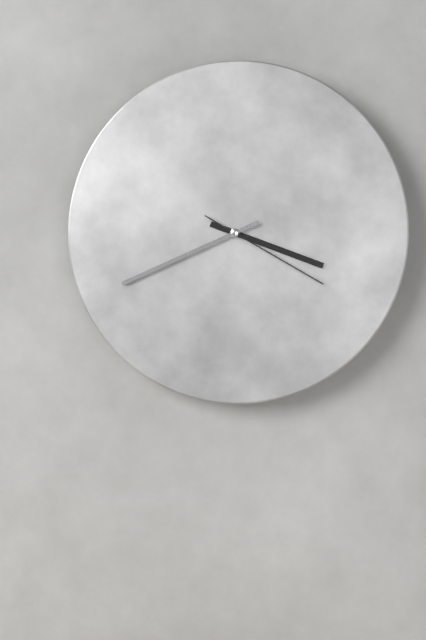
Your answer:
**3:41:20**
